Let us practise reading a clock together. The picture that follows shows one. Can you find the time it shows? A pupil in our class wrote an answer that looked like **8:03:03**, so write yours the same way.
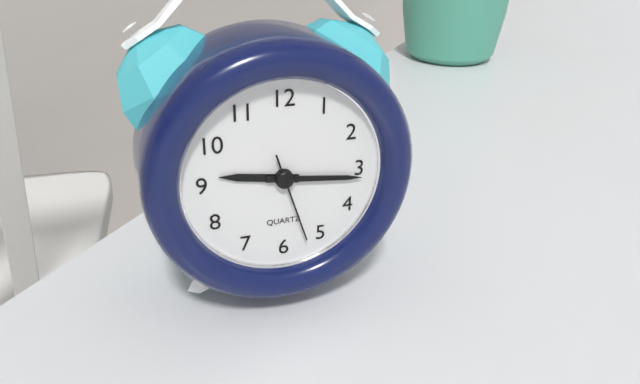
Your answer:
**9:16:27**
